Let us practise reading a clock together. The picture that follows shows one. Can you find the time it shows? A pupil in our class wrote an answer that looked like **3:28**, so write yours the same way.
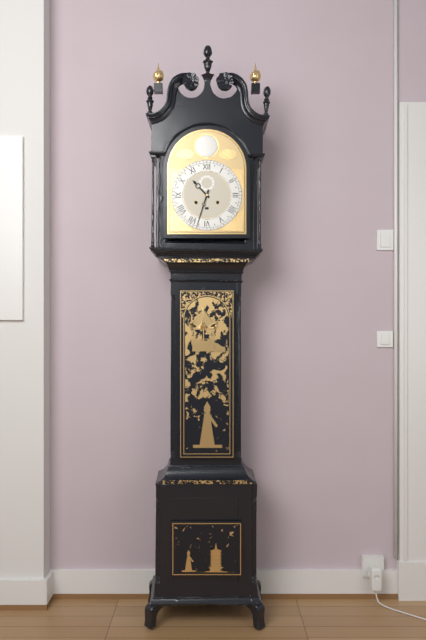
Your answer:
**10:33**
